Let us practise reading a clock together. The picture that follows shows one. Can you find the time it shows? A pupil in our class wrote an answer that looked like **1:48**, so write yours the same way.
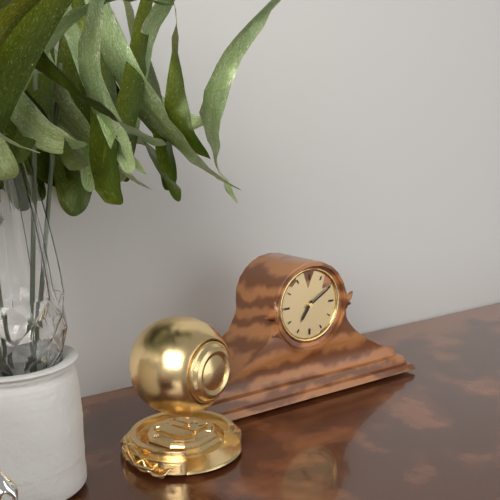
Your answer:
**7:10**
